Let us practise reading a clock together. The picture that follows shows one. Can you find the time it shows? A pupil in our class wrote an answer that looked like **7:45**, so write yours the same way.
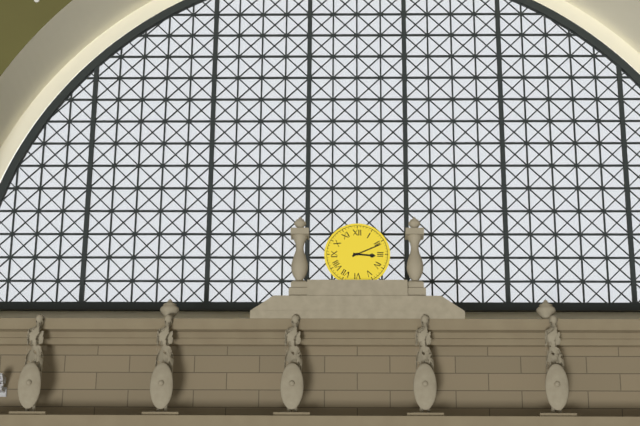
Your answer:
**3:11**
